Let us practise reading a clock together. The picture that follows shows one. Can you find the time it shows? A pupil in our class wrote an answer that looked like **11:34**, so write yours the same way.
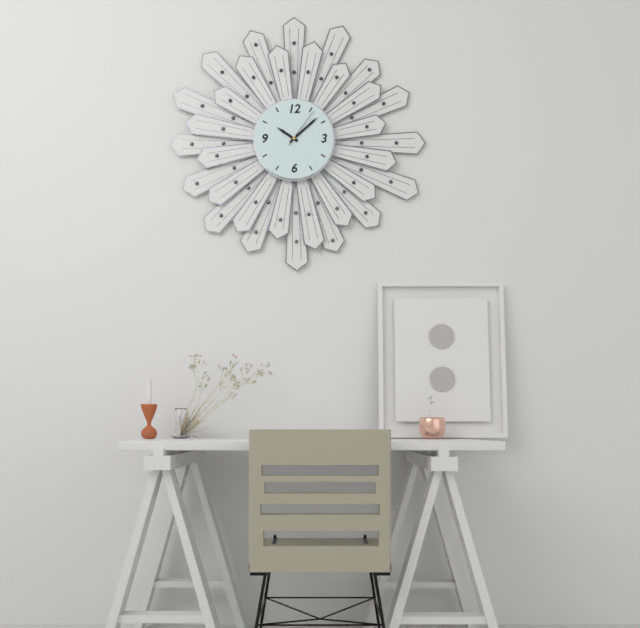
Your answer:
**10:08**
